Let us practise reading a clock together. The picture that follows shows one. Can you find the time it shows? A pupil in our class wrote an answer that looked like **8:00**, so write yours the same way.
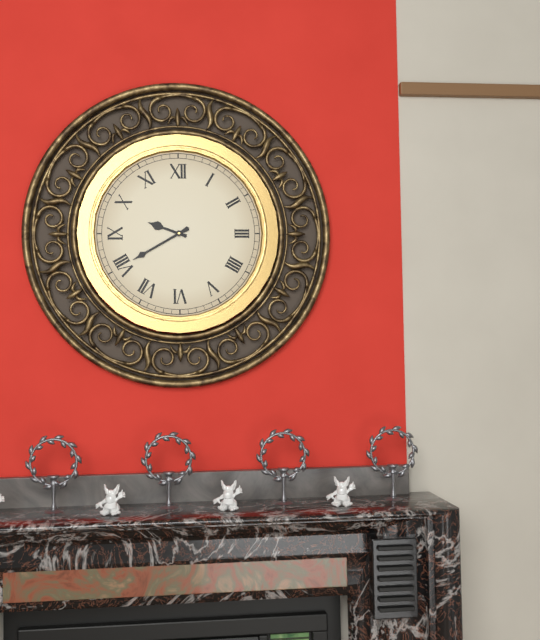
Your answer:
**9:40**
